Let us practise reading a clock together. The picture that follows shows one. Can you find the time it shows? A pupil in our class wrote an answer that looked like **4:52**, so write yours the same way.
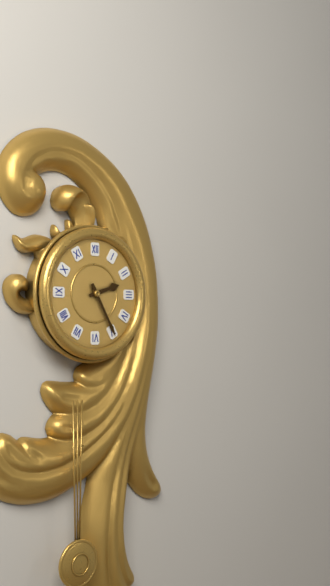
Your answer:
**2:25**
